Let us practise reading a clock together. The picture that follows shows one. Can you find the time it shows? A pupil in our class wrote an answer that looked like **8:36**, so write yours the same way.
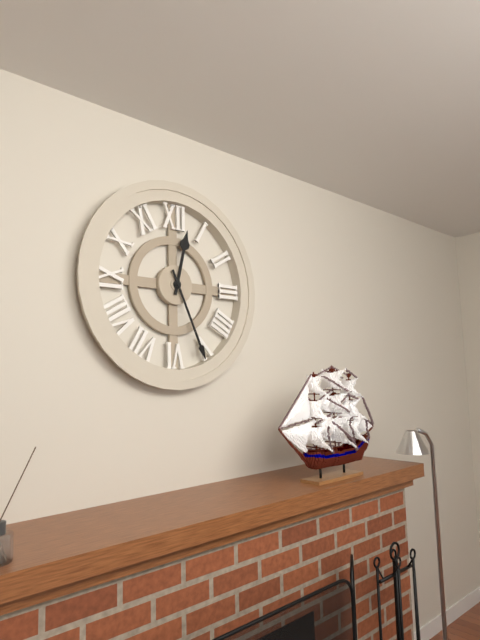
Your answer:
**12:26**
